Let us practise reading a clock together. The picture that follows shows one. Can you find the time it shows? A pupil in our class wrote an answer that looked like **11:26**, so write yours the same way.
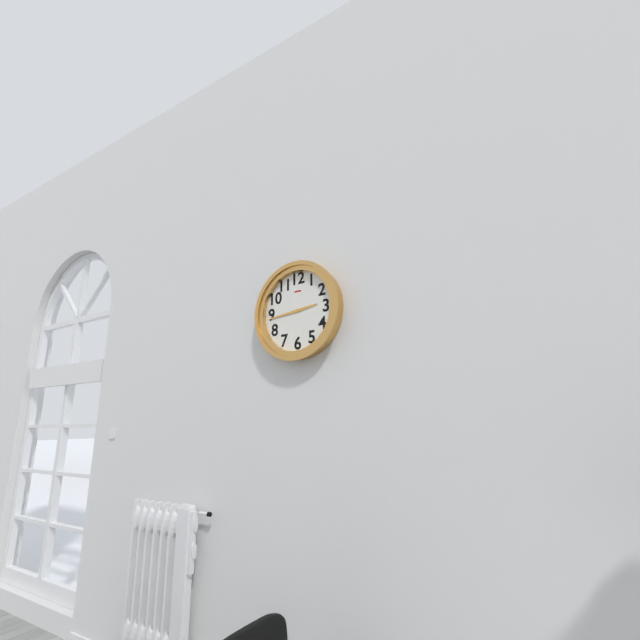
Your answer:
**2:44**
